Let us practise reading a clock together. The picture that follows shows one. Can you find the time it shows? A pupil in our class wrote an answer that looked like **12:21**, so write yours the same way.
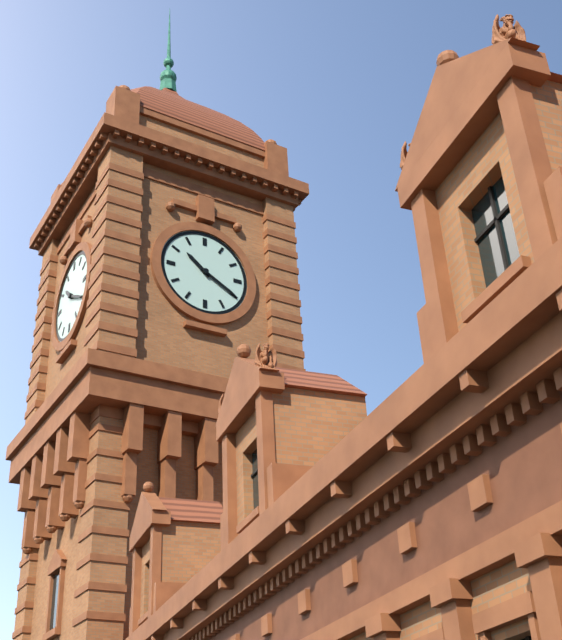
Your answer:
**10:20**
